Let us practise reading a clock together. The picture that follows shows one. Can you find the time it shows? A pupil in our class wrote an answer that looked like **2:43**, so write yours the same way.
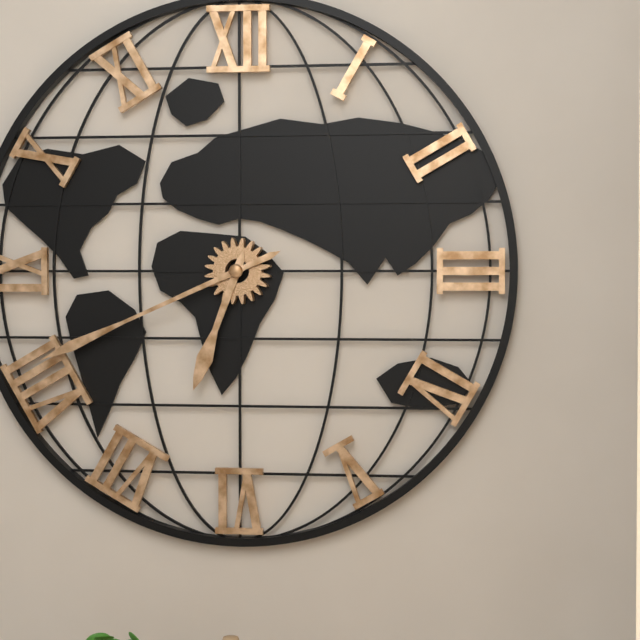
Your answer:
**6:41**
